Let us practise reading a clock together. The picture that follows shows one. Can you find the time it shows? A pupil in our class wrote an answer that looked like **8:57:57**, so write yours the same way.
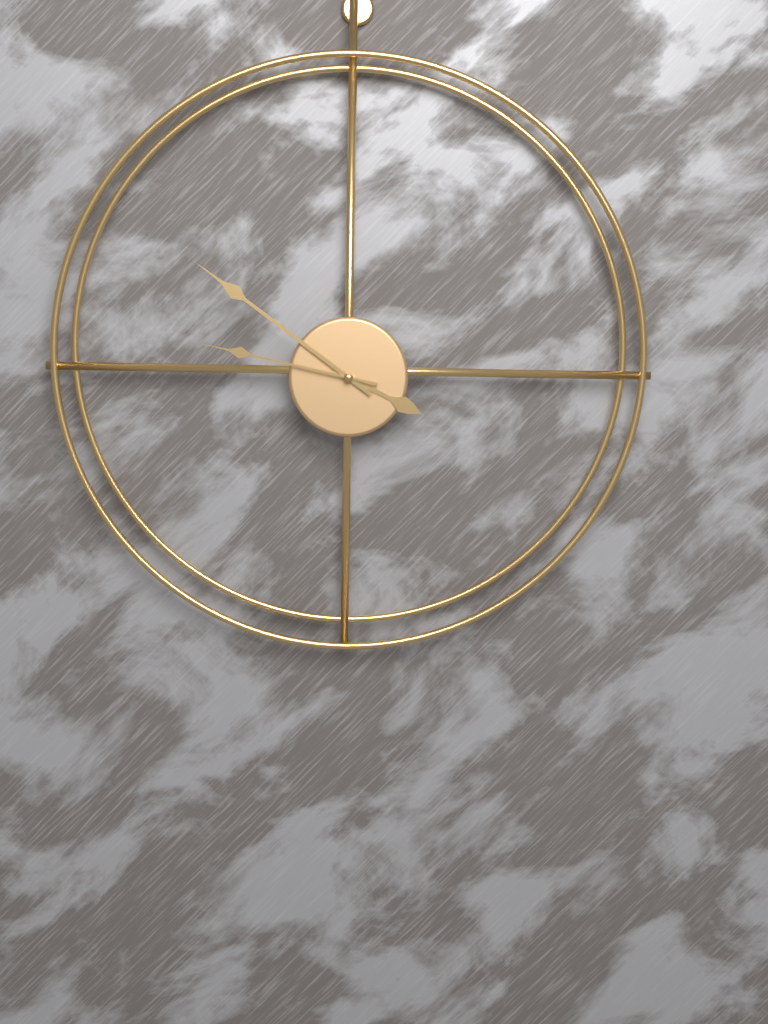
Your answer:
**3:51:47**
